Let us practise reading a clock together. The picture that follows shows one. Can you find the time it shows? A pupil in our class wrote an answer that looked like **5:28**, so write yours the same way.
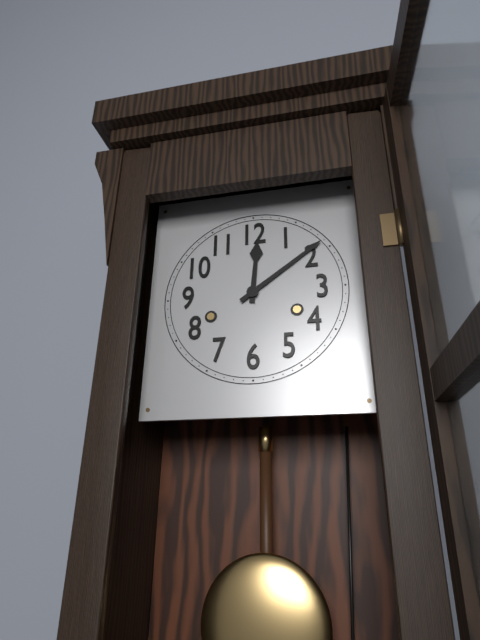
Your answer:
**12:09**
